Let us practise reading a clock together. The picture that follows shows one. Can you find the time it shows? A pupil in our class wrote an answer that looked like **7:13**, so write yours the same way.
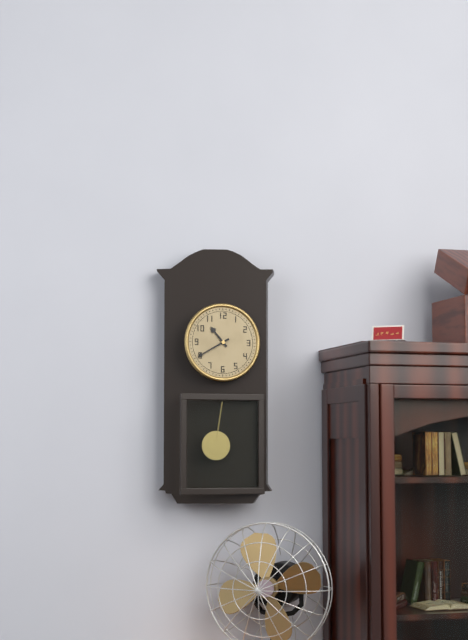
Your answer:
**10:40**
